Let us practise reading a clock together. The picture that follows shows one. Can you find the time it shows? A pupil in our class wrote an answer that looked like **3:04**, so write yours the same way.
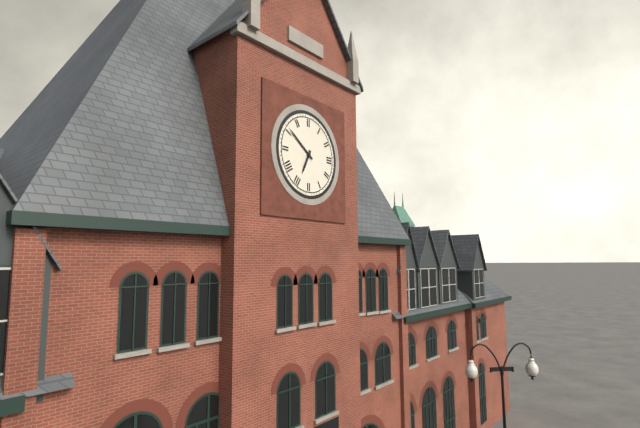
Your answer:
**6:51**
